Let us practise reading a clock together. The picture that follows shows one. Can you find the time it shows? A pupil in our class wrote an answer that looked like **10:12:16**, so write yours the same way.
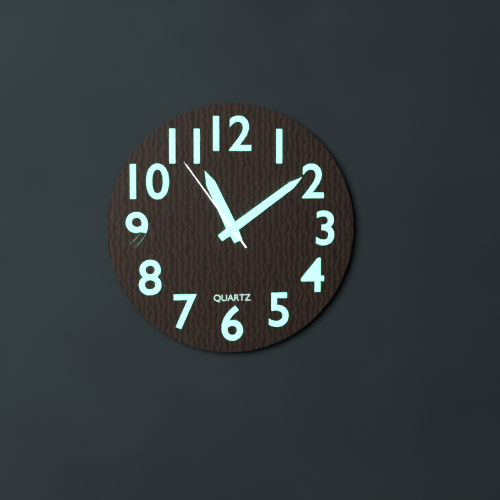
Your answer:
**11:09:54**
